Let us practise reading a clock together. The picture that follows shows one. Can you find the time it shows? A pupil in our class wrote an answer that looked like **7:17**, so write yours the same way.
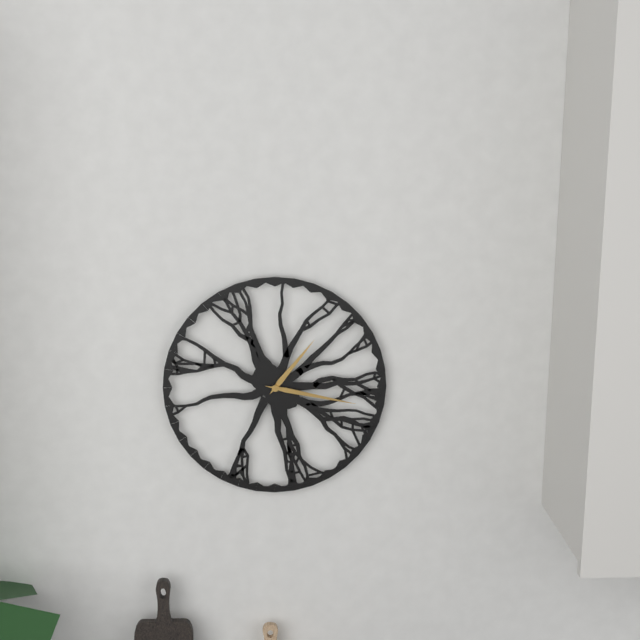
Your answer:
**1:17**
